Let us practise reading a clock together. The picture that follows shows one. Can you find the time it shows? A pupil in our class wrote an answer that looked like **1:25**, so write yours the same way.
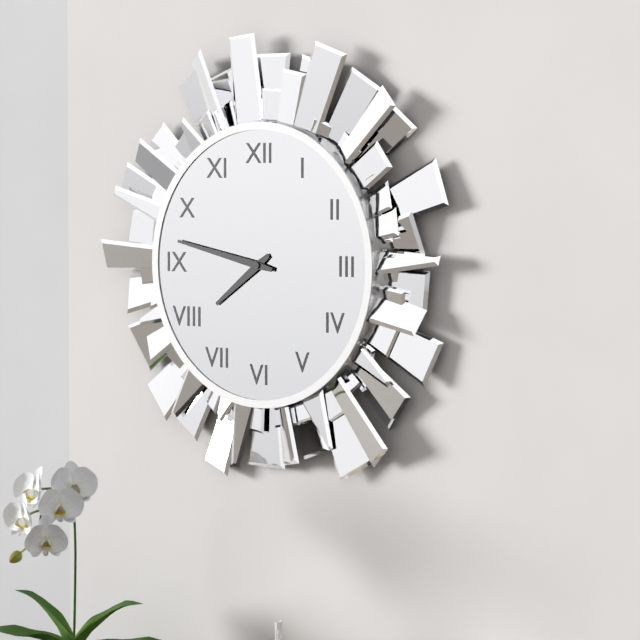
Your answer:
**7:47**
